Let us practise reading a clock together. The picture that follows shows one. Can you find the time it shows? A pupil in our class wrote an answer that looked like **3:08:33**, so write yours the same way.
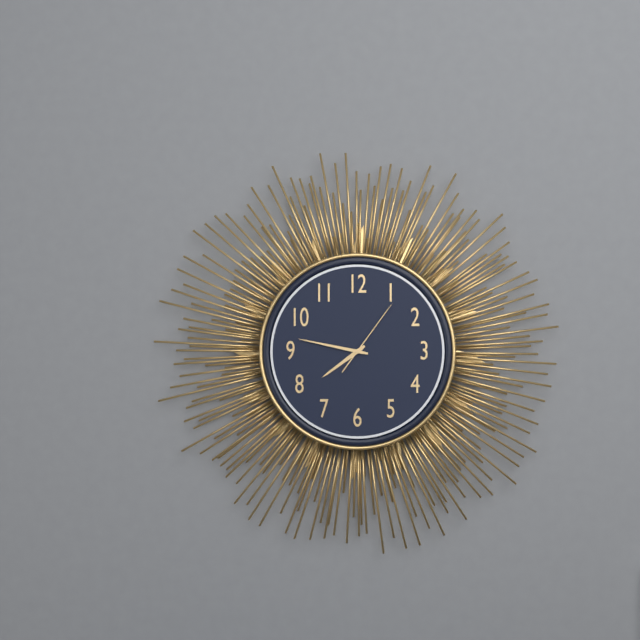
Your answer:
**7:47:06**
